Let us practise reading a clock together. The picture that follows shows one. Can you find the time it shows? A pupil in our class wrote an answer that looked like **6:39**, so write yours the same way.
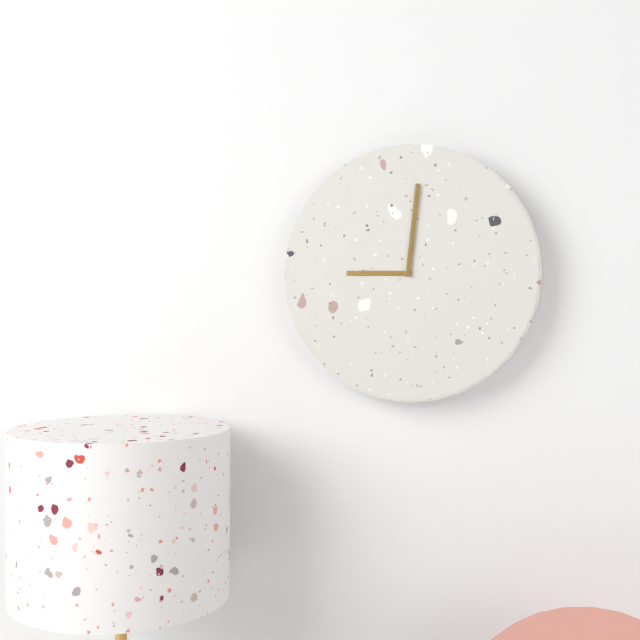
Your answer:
**9:01**
